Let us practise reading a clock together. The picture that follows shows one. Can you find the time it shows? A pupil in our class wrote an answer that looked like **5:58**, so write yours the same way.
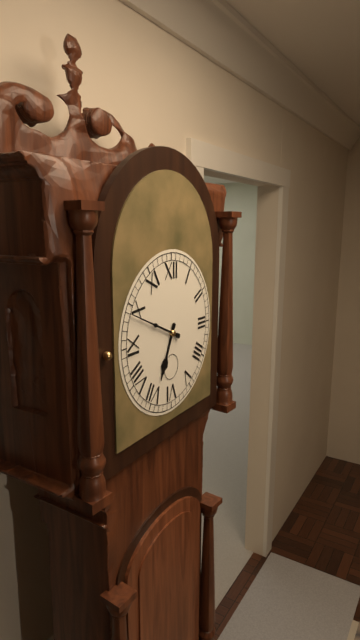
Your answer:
**6:49**
